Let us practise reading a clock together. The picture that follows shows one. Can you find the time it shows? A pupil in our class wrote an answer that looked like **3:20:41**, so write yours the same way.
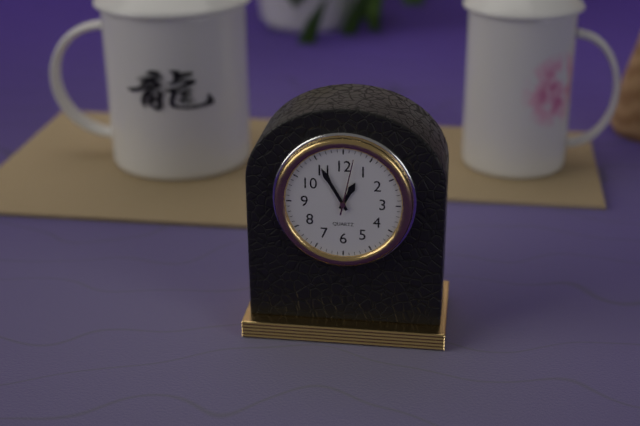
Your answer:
**12:55:02**
